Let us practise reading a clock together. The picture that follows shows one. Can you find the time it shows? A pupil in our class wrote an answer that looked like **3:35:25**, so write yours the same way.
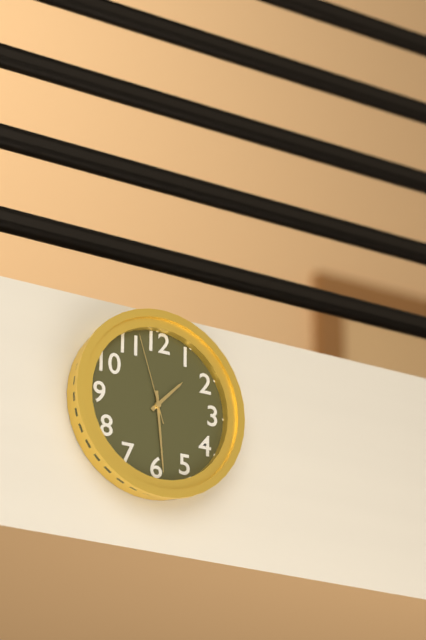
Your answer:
**1:29:57**
